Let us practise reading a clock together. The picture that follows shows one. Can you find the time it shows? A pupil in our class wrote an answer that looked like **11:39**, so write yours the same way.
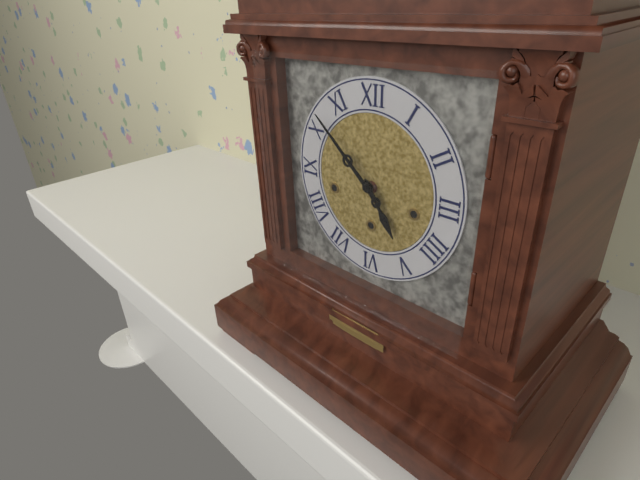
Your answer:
**4:52**
